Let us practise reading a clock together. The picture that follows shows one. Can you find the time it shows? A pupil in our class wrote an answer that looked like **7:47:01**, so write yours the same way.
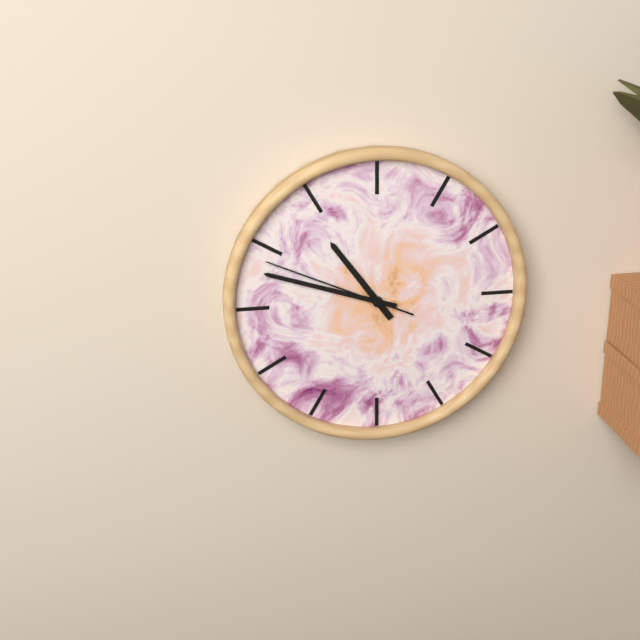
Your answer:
**10:48:49**
